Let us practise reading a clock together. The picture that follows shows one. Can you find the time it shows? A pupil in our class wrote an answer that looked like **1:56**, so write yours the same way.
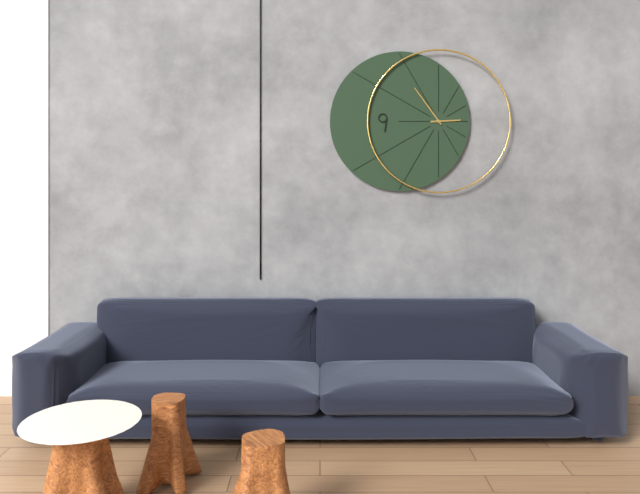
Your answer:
**2:54**
